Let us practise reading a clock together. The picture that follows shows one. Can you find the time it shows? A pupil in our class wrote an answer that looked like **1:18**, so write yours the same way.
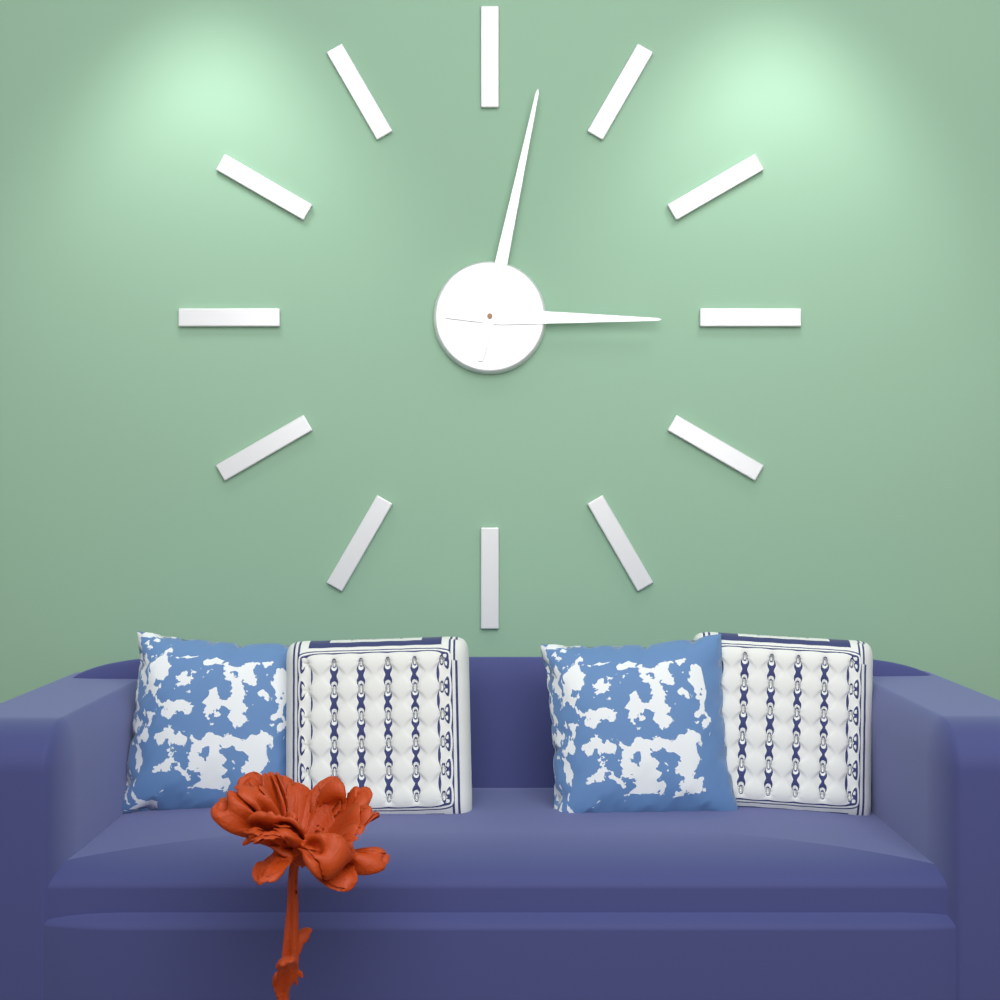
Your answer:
**3:02**
